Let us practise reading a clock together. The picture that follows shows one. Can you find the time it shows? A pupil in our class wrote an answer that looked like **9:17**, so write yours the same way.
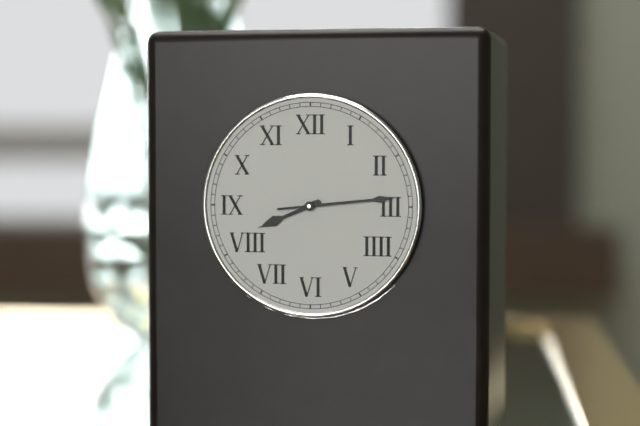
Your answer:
**8:14**
